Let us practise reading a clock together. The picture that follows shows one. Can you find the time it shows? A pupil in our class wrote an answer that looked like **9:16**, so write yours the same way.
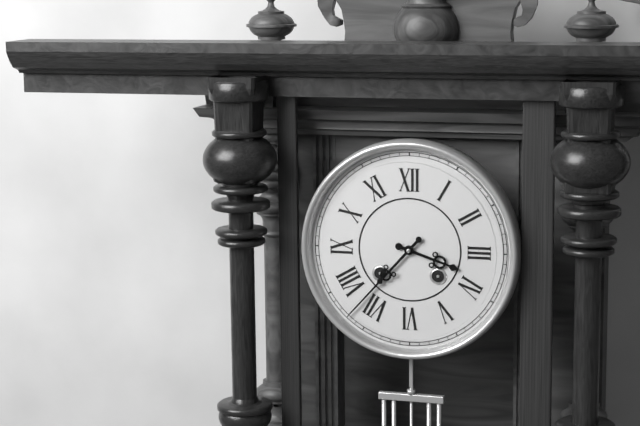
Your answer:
**3:37**
